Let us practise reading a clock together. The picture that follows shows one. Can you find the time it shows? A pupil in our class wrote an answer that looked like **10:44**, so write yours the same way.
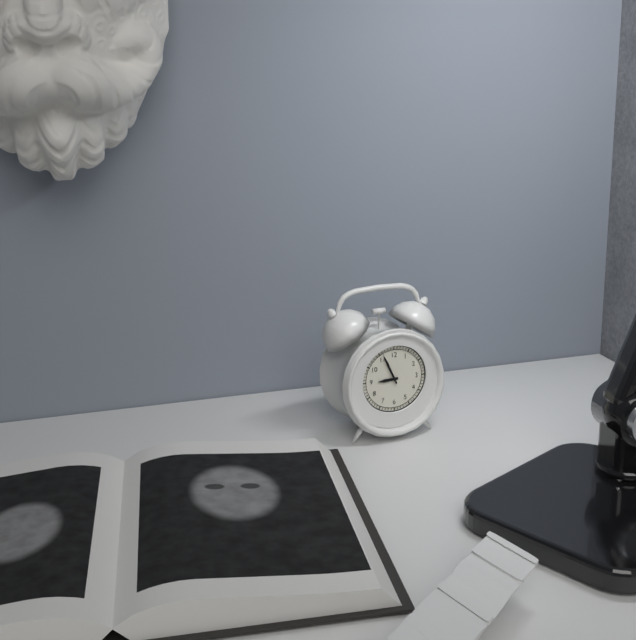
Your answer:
**8:56**
